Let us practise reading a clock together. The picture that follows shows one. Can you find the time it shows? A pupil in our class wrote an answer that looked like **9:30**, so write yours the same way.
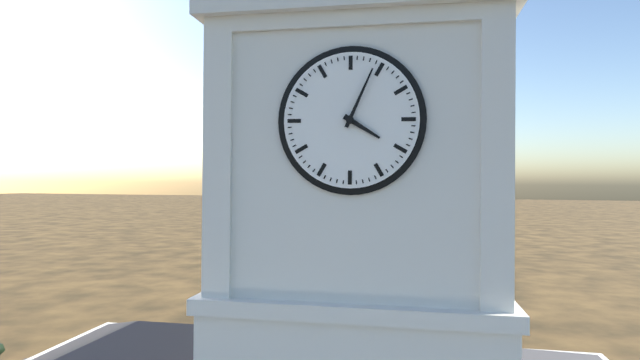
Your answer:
**4:04**
